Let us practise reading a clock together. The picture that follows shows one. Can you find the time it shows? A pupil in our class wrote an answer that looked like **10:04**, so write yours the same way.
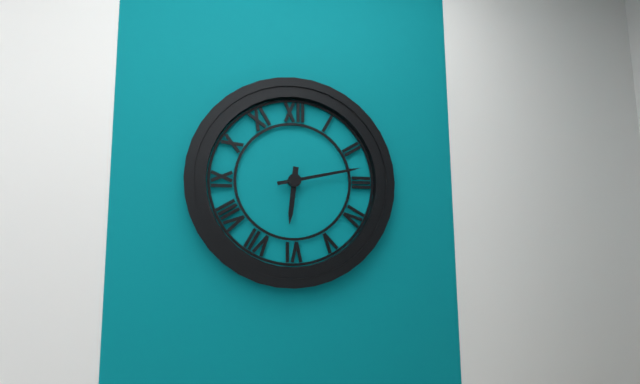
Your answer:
**6:13**
